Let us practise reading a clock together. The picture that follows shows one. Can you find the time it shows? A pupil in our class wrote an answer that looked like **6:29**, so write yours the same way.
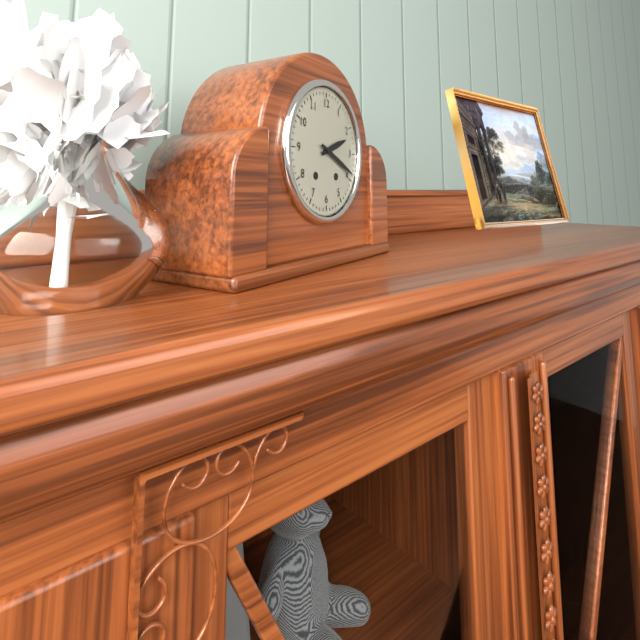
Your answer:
**2:19**
